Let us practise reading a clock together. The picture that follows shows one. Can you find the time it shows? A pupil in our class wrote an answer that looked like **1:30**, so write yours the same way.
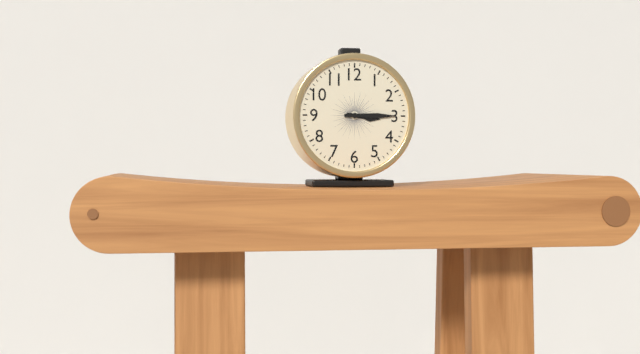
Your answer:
**3:15**
